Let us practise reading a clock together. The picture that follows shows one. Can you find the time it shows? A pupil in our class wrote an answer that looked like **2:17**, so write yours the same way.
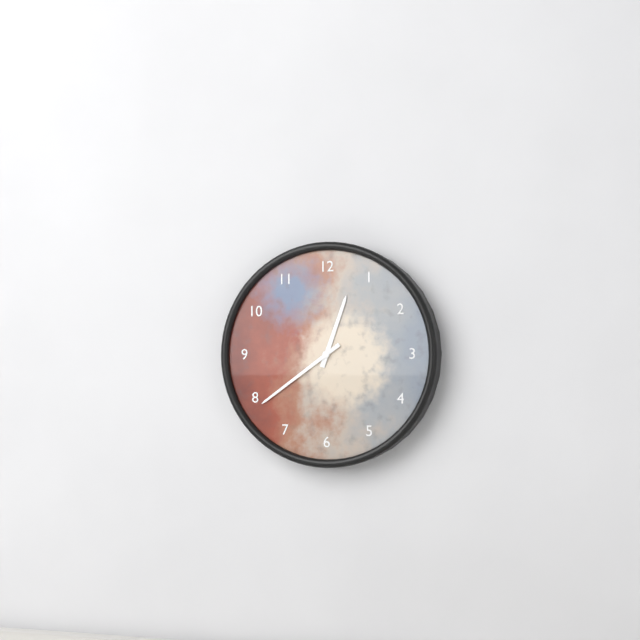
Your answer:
**12:39**
